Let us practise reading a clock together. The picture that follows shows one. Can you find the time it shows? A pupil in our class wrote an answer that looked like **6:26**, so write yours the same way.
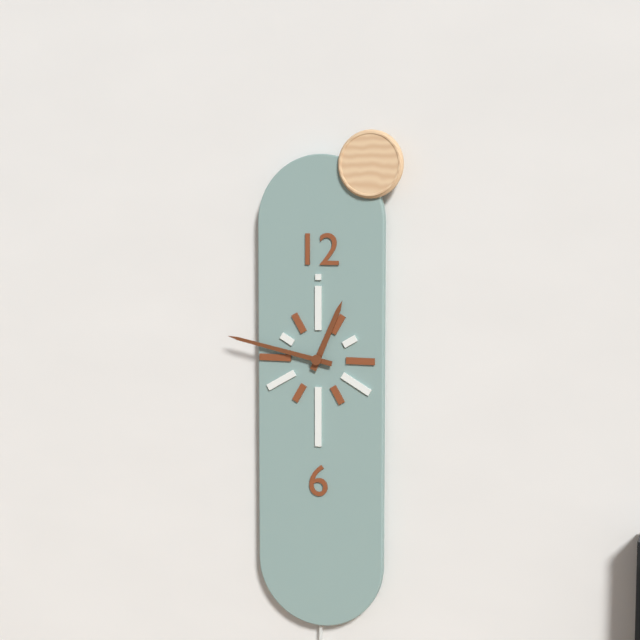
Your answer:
**12:47**
